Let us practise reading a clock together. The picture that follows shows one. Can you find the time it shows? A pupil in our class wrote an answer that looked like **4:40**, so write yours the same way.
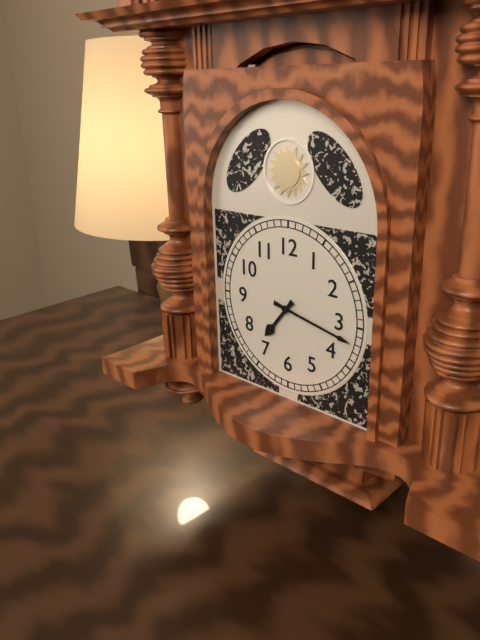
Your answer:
**7:17**
